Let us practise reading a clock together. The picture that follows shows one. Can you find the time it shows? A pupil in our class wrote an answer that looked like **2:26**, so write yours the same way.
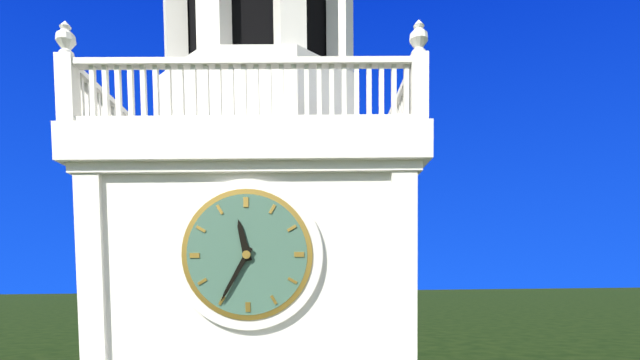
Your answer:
**11:35**
